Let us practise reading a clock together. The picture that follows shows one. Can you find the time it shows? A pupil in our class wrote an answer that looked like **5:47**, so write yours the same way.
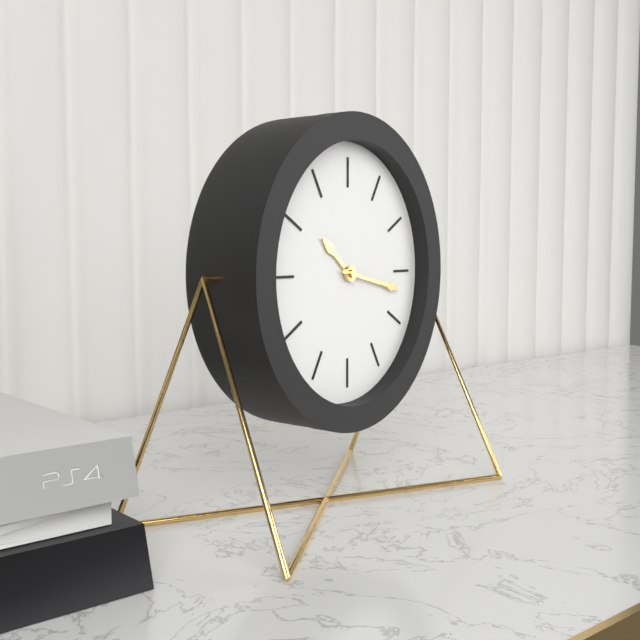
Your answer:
**10:17**
